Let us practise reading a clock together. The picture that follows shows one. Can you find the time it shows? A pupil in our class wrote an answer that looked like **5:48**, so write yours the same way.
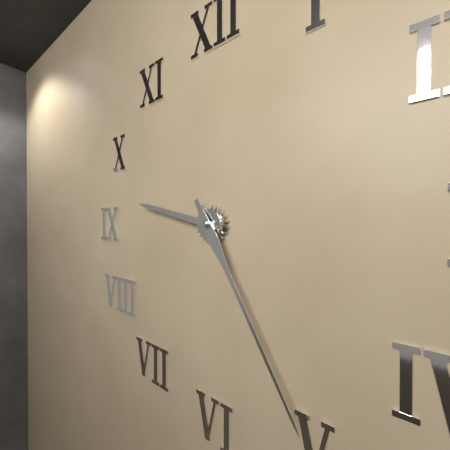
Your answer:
**9:25**
